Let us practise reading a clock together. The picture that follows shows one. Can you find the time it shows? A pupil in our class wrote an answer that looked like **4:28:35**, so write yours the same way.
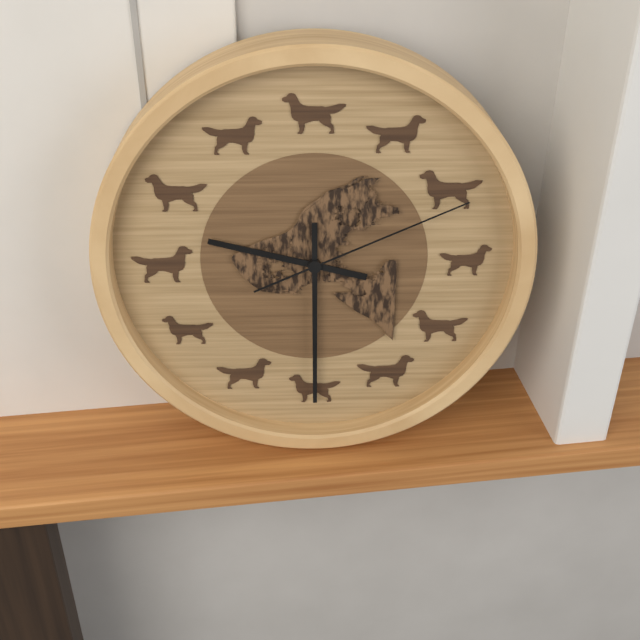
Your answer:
**9:30:11**
